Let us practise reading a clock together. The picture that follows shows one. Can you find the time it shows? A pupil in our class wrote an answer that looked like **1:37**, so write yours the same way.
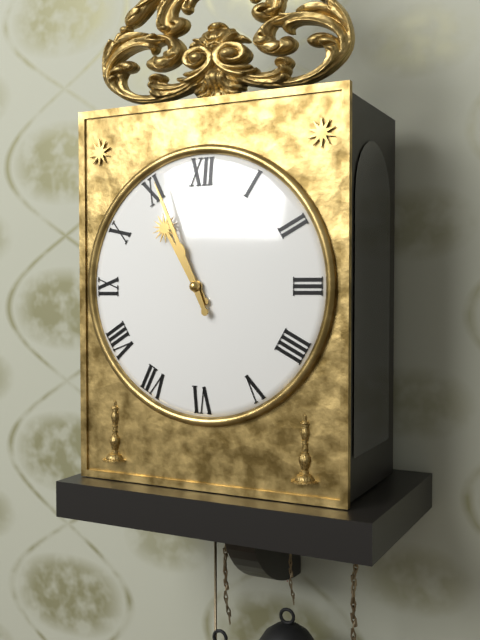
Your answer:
**10:56**
